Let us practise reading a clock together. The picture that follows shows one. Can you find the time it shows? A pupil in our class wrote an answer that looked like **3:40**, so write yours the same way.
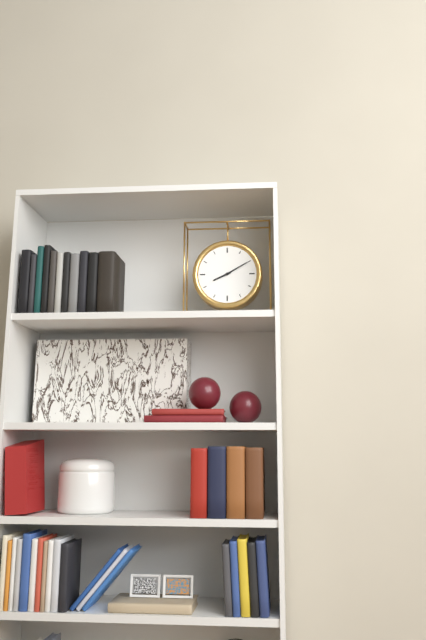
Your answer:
**8:10**
